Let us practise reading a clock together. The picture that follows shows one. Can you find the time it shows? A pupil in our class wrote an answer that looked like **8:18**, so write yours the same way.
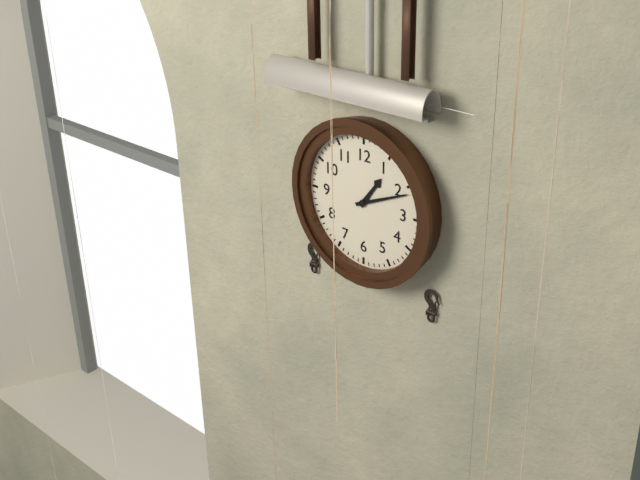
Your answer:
**1:11**
